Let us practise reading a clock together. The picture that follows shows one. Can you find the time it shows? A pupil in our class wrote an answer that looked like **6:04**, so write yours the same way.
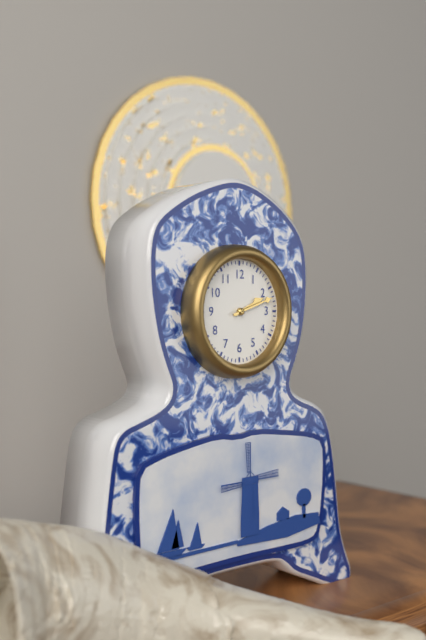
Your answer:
**2:12**
